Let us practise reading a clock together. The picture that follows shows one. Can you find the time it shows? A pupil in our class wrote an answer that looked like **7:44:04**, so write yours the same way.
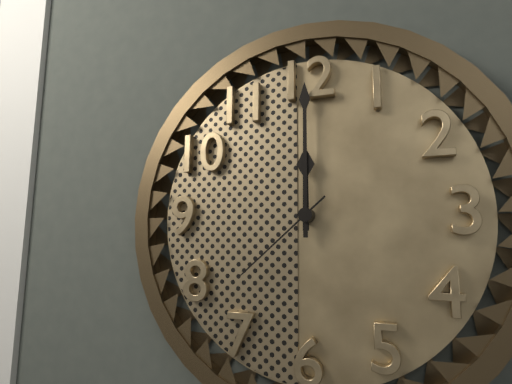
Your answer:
**12:00:38**
